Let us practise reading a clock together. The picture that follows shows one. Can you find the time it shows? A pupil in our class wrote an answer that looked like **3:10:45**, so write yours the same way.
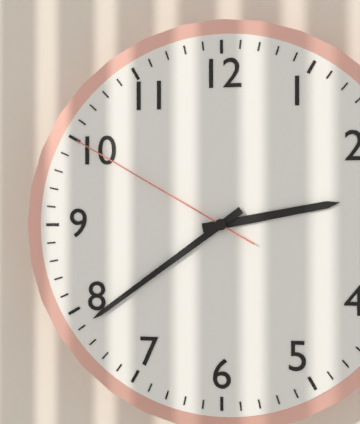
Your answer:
**2:39:50**
